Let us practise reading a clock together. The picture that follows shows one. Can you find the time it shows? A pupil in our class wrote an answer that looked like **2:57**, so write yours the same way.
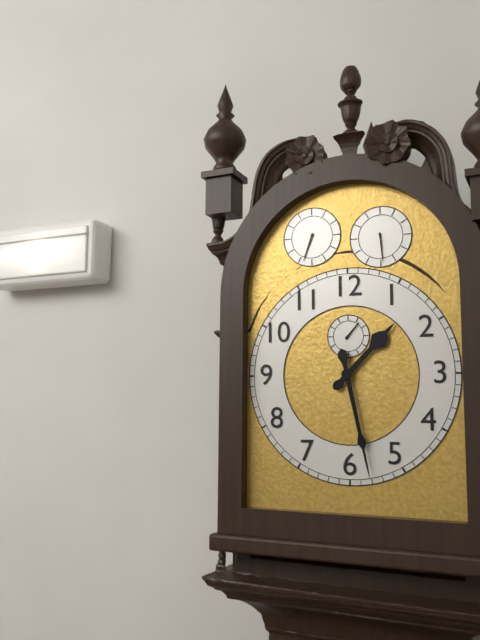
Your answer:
**1:28**
